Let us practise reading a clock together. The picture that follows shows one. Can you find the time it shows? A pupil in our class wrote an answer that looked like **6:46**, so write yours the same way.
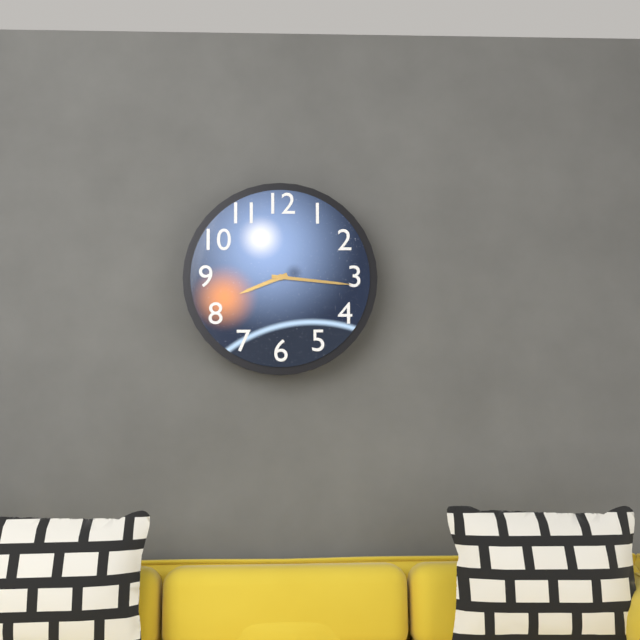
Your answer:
**8:16**
